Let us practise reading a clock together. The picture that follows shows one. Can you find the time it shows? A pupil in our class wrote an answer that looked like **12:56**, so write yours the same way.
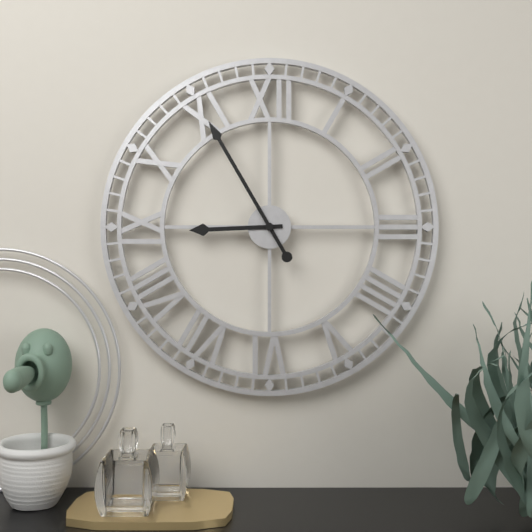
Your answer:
**8:55**
